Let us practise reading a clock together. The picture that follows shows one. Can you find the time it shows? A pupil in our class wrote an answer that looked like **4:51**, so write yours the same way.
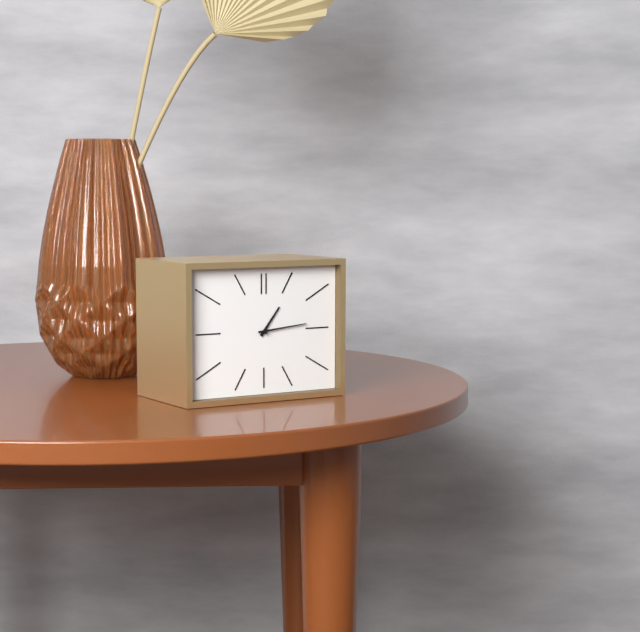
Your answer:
**1:14**
